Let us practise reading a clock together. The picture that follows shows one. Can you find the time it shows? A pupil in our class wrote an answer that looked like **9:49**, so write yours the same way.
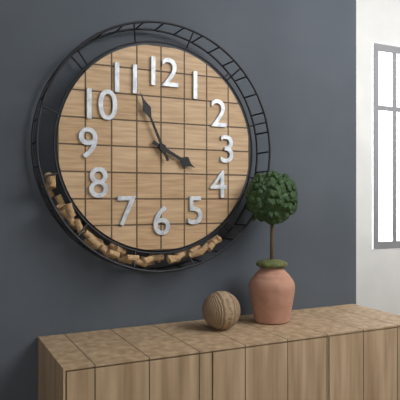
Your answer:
**3:56**
